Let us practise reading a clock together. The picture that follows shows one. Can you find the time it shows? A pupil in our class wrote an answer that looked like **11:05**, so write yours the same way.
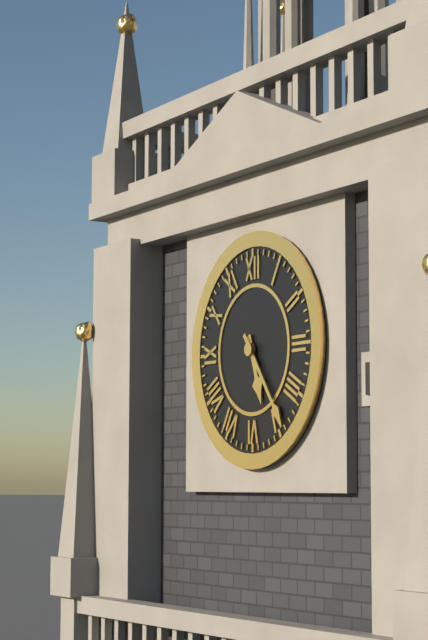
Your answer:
**5:24**
